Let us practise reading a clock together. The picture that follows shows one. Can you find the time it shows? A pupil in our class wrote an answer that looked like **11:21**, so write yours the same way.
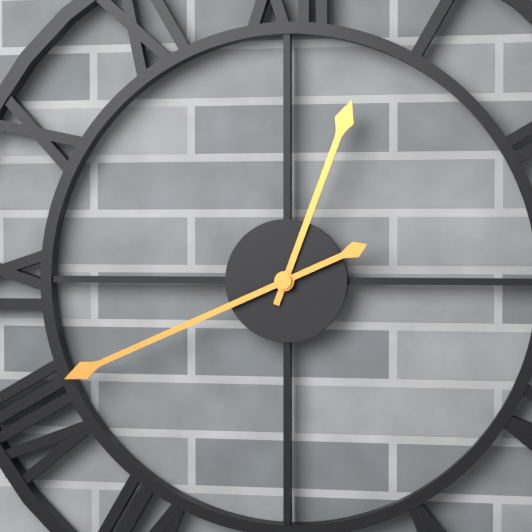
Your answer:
**12:41**
